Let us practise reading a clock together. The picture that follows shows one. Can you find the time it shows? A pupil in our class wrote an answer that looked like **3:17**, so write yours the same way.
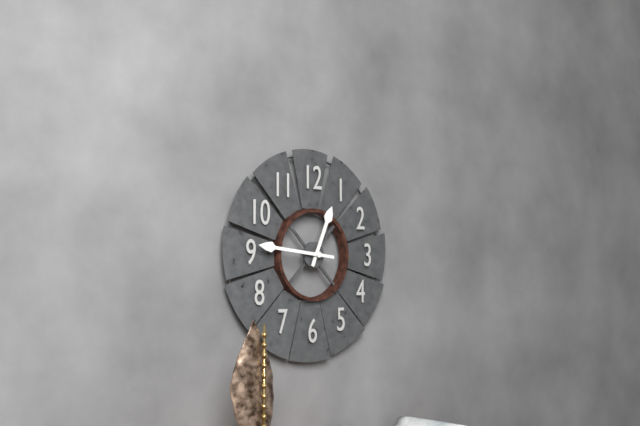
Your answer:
**12:46**
